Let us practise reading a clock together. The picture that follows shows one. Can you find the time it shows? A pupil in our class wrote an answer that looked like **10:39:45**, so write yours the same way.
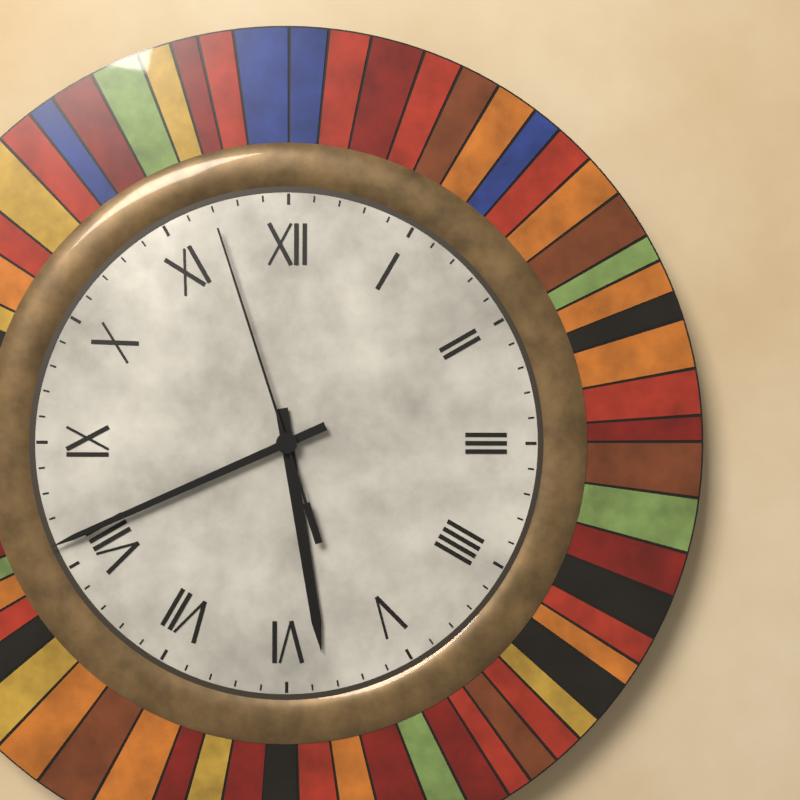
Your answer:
**5:41:57**
